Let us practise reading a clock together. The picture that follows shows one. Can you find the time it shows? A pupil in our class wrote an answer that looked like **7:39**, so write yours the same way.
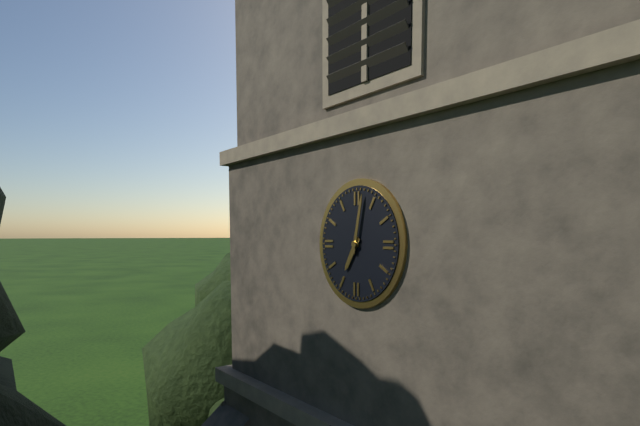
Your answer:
**7:02**
